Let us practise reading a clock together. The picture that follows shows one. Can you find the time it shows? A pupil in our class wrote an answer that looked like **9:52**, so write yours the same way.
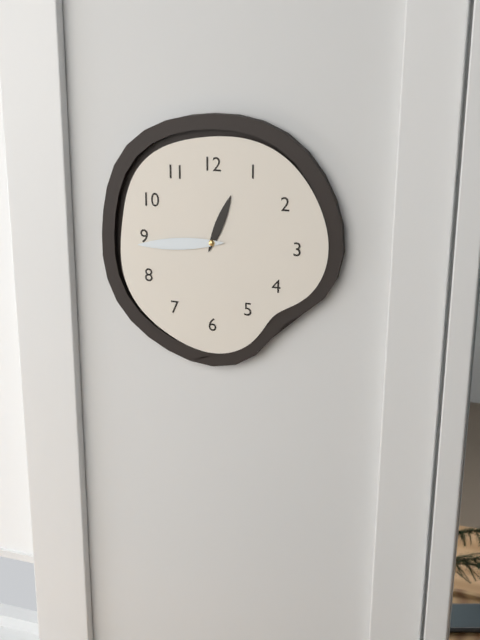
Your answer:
**12:44**
